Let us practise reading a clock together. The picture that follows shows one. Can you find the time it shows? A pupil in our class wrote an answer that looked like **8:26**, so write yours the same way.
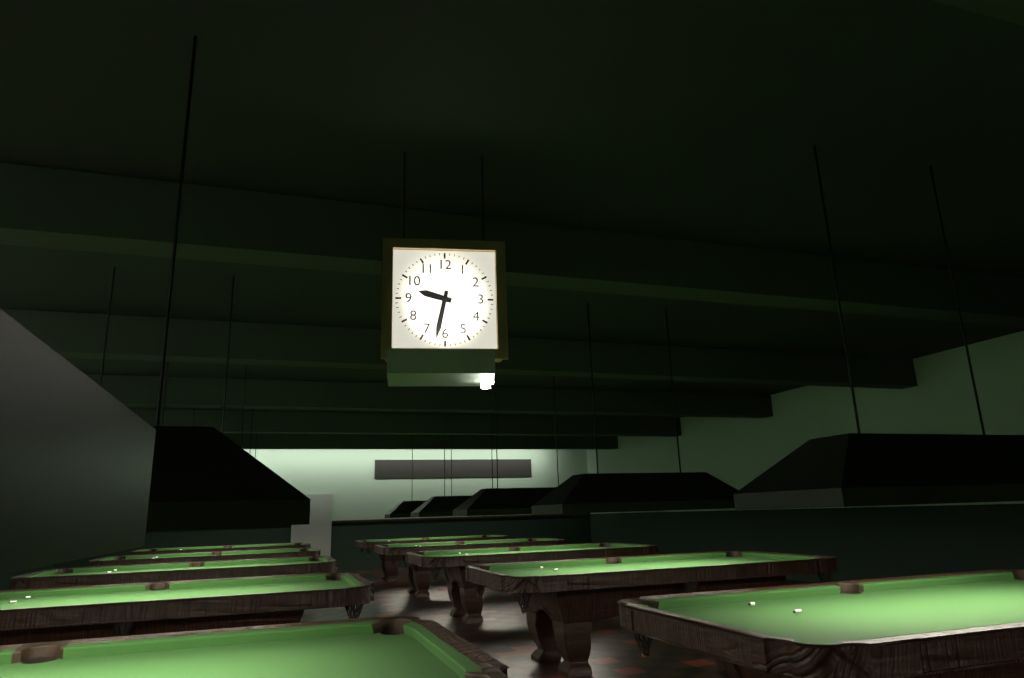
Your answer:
**9:32**
